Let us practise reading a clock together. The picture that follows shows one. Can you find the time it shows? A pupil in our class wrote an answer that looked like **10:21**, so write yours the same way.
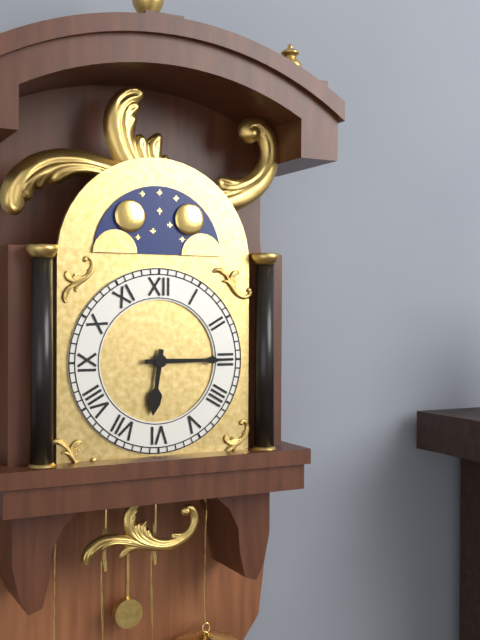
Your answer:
**6:15**
